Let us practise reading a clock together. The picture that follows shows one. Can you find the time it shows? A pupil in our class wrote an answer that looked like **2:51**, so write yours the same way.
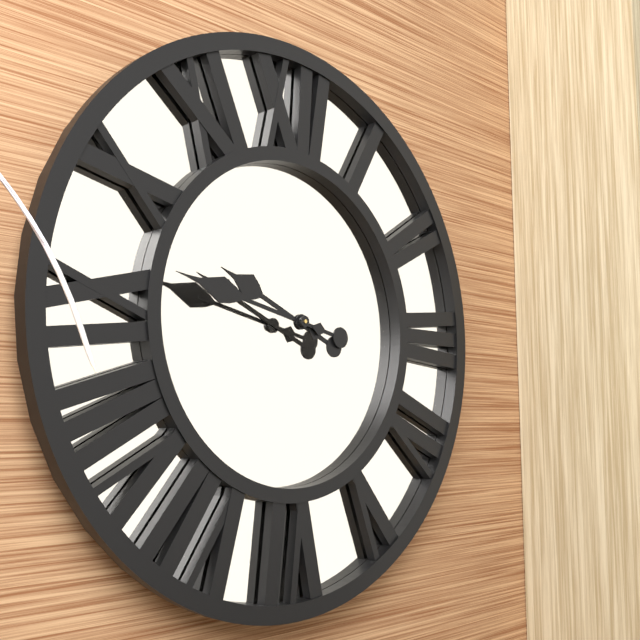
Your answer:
**9:47**
